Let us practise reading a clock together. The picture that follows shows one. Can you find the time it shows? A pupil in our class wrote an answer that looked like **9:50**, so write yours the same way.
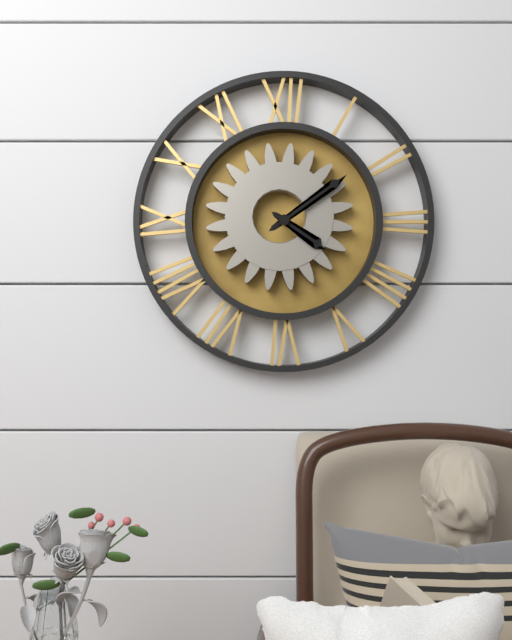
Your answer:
**4:09**
